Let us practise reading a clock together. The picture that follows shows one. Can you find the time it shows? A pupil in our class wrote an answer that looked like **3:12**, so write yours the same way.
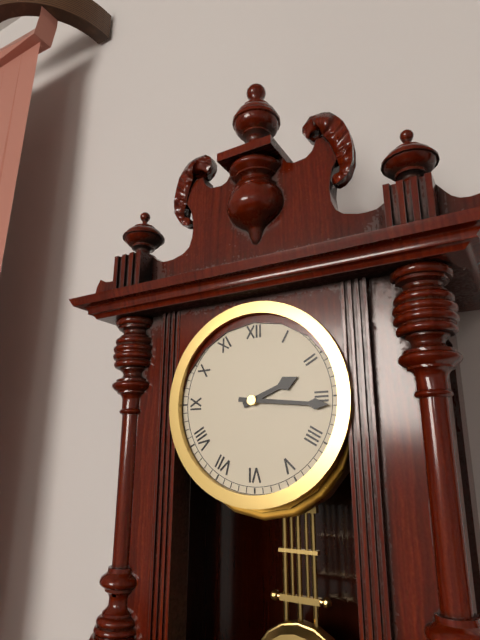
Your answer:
**2:16**
